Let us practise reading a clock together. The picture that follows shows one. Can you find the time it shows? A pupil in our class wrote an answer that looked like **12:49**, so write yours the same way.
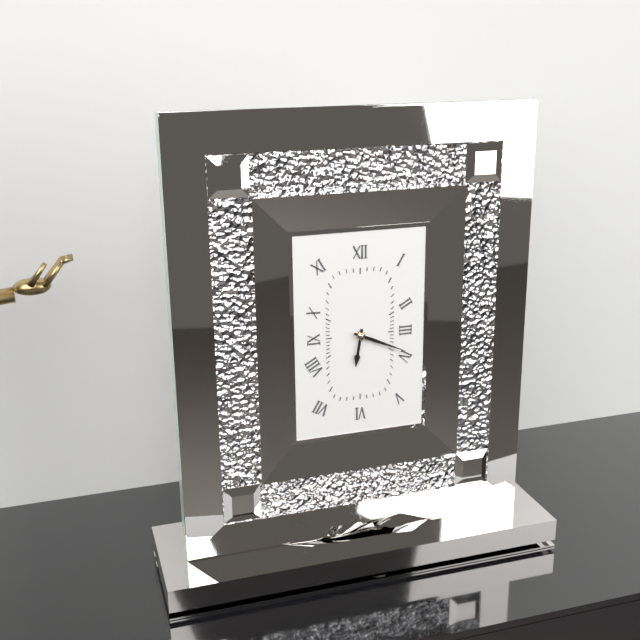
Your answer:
**6:19**
